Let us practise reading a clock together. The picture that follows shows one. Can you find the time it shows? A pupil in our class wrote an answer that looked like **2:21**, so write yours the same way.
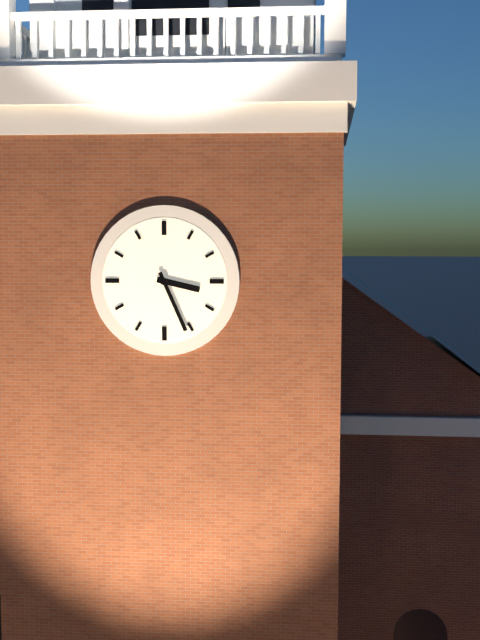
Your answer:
**3:26**
